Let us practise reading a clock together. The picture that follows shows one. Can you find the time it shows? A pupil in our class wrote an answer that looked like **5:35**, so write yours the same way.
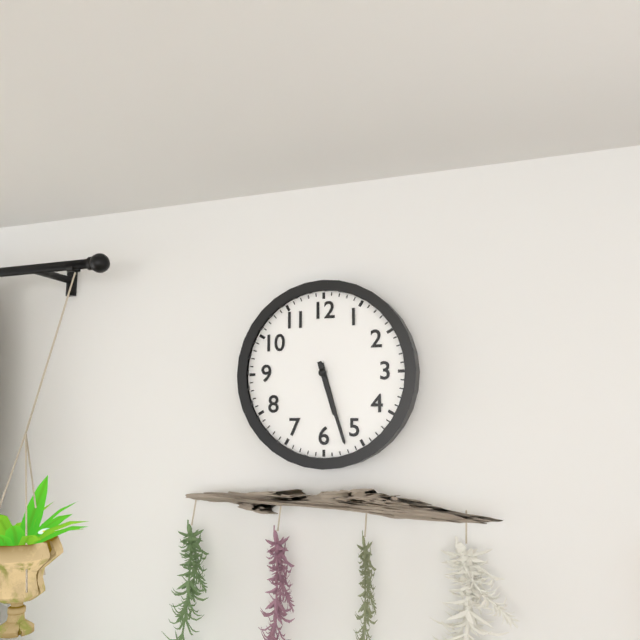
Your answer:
**5:27**
